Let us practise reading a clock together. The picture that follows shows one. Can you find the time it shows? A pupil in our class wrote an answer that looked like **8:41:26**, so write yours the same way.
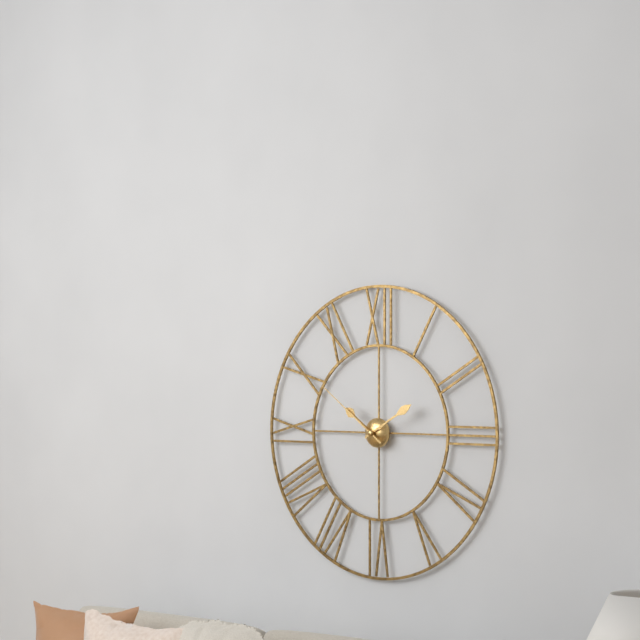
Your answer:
**10:10:51**
